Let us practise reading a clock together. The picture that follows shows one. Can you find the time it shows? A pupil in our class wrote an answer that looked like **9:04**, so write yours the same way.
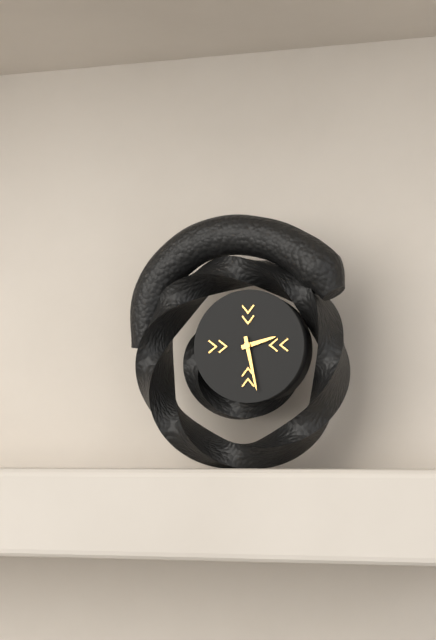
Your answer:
**2:28**
